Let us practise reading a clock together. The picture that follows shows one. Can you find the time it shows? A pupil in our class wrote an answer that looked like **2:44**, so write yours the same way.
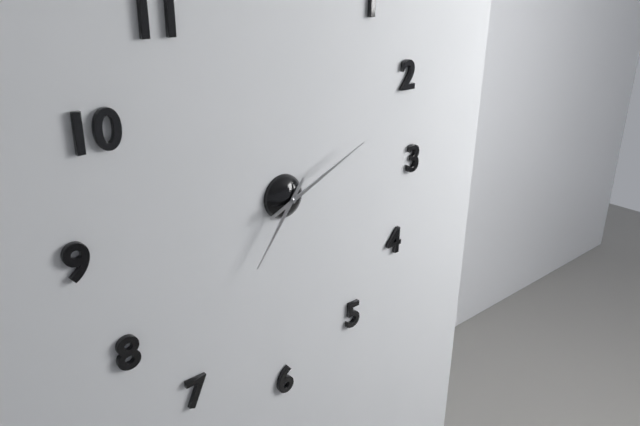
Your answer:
**7:11**
